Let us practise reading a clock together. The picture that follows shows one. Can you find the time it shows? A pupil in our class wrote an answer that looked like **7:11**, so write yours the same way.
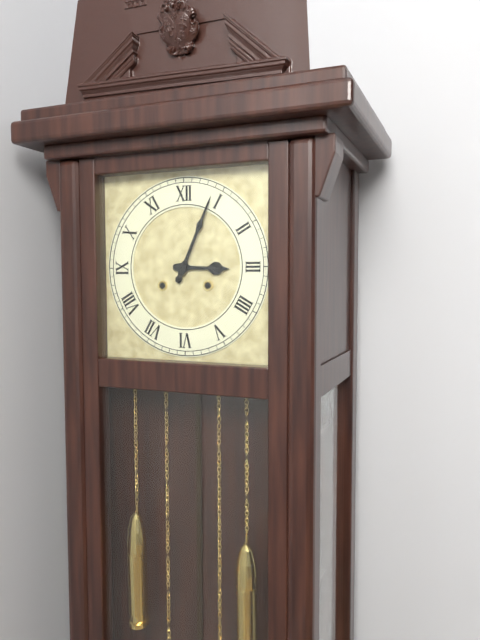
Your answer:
**3:04**
